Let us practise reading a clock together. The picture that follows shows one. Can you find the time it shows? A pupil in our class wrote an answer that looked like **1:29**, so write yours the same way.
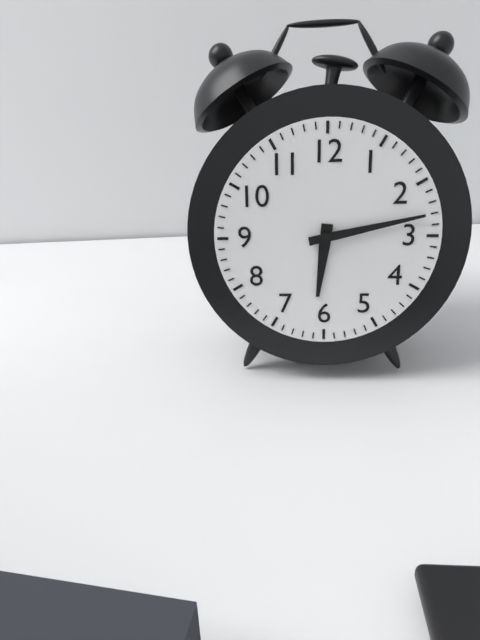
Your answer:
**6:13**
